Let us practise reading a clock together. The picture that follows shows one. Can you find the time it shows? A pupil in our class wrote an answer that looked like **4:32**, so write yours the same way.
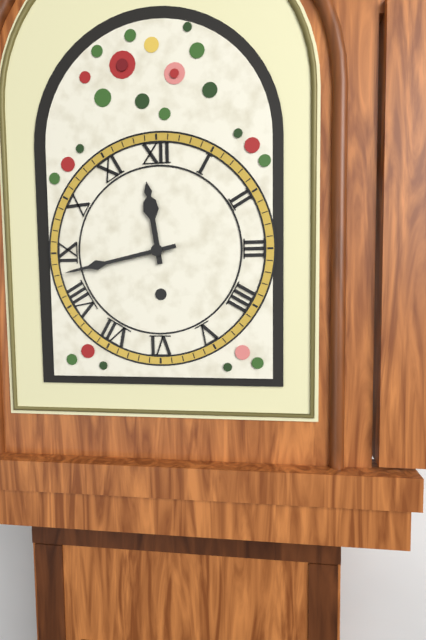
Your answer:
**11:43**
